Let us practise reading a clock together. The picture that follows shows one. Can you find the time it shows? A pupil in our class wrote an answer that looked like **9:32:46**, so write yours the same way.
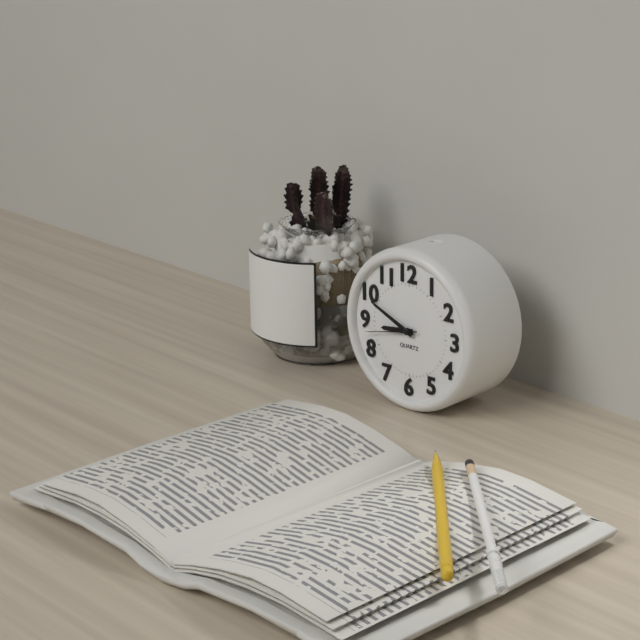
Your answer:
**8:49:43**
